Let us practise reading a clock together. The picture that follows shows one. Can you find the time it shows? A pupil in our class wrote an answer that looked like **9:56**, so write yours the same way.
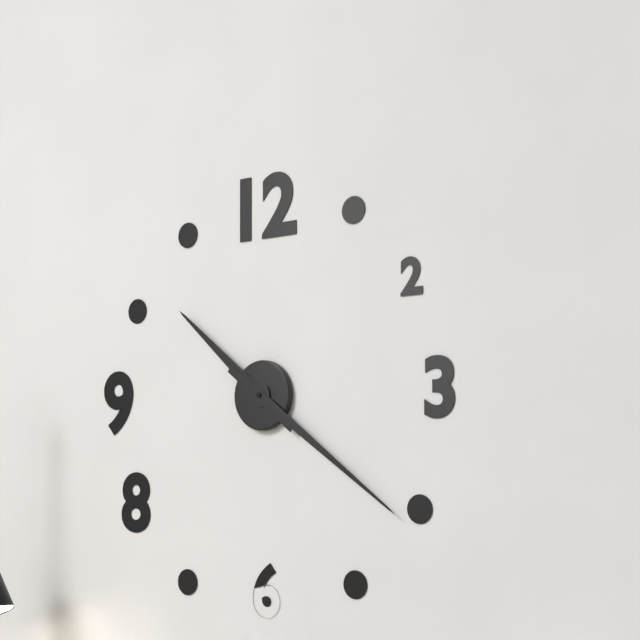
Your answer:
**10:21**
